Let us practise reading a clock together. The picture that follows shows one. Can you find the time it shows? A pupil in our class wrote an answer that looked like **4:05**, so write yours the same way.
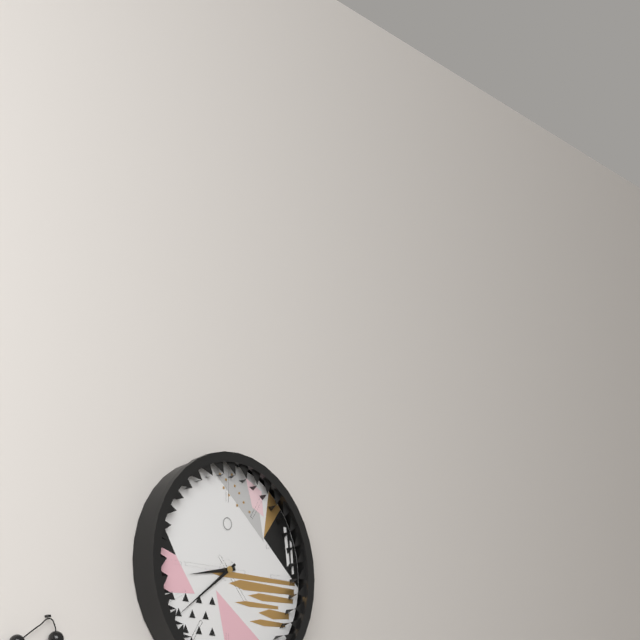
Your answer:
**8:39**
